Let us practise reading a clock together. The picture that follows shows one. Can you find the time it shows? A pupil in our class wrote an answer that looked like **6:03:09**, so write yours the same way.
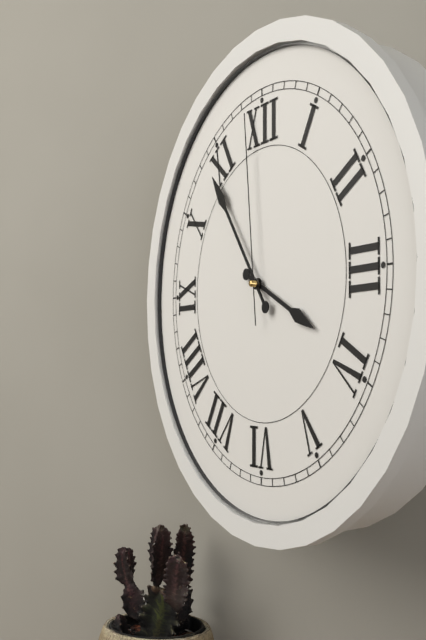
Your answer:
**3:54:59**
